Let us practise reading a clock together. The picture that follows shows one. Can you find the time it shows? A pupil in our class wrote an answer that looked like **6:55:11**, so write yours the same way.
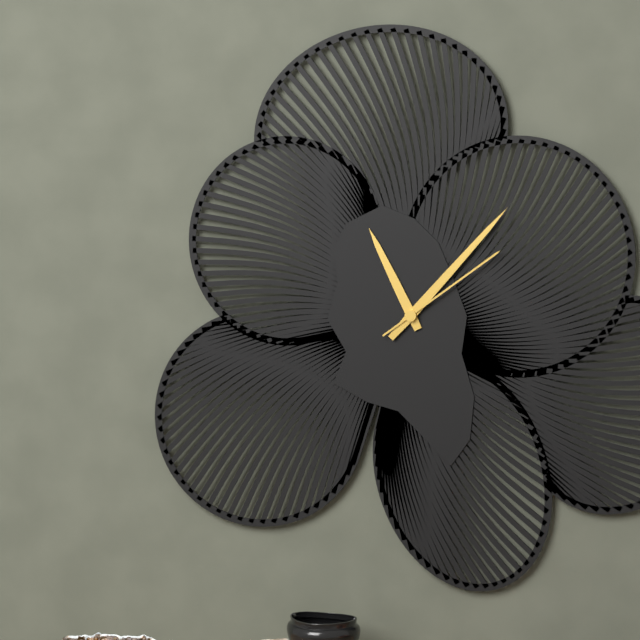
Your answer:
**11:07:09**
